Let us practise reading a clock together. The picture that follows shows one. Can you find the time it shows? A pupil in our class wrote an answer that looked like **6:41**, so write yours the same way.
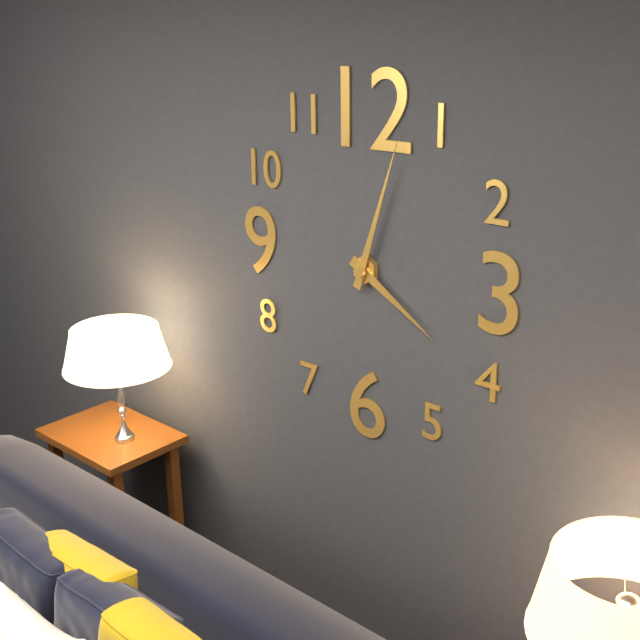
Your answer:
**4:03**
